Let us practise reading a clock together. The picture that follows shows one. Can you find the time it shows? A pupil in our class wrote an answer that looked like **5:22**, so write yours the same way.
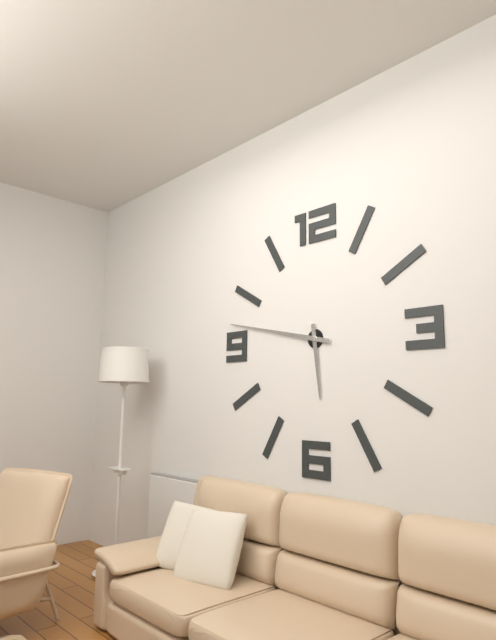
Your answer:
**5:47**
